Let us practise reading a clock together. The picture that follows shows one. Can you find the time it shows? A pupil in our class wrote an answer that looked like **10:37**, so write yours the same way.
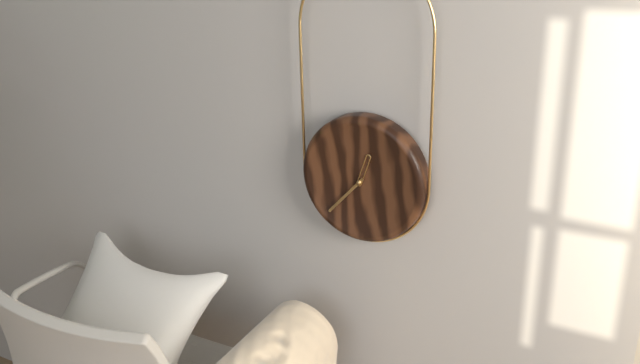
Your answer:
**12:37**
